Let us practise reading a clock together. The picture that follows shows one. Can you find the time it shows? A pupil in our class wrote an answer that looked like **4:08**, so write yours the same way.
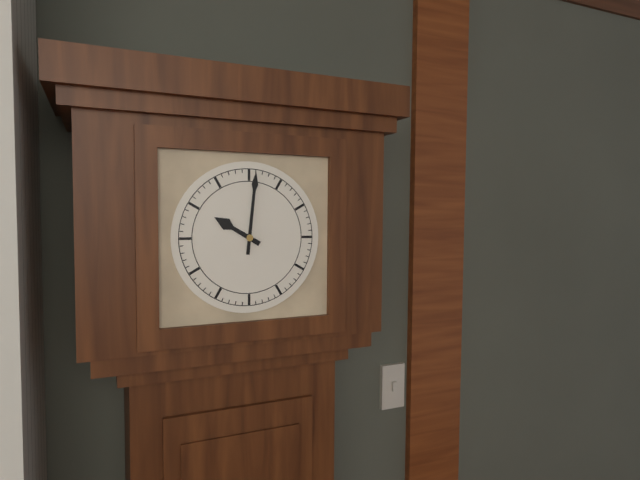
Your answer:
**10:01**
